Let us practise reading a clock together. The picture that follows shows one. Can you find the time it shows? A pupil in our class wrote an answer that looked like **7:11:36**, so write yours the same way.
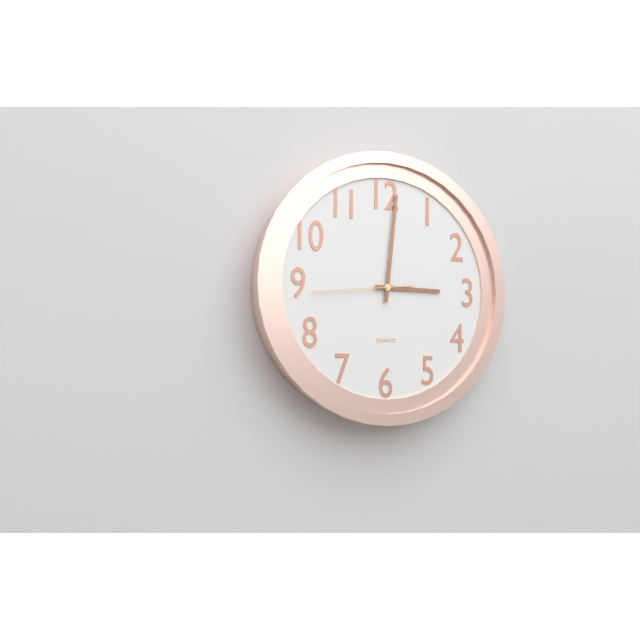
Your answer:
**3:01:44**
